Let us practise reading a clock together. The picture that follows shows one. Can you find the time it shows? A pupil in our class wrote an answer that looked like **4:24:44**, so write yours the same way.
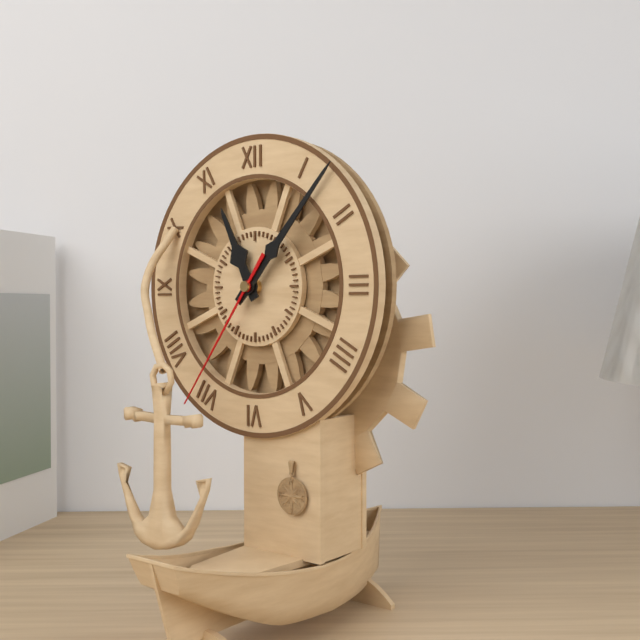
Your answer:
**11:07:36**
